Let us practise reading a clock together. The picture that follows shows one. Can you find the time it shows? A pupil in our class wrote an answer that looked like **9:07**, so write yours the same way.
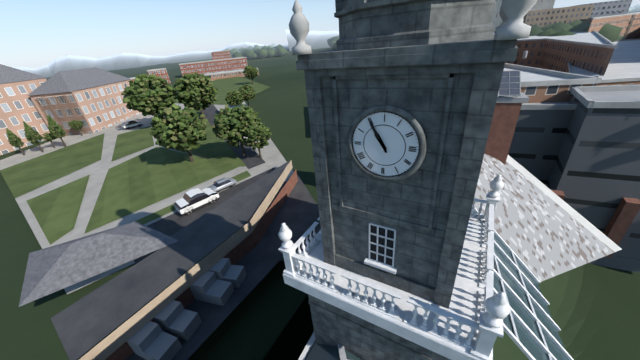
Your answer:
**10:55**
